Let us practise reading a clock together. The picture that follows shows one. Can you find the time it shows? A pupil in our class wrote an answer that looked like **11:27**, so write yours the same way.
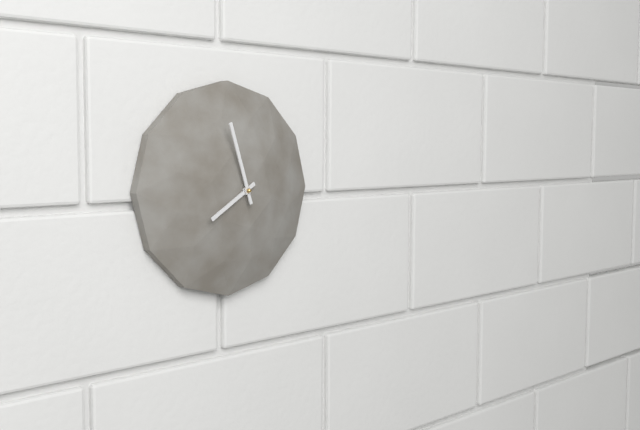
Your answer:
**7:57**
